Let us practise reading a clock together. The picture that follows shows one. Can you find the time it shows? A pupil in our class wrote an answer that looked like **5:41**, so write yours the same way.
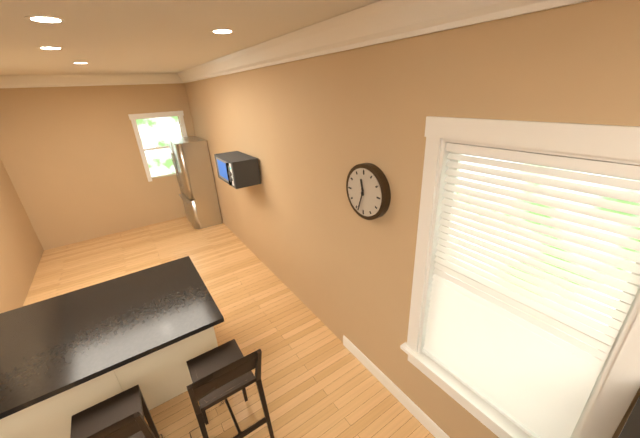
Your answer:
**11:33**
